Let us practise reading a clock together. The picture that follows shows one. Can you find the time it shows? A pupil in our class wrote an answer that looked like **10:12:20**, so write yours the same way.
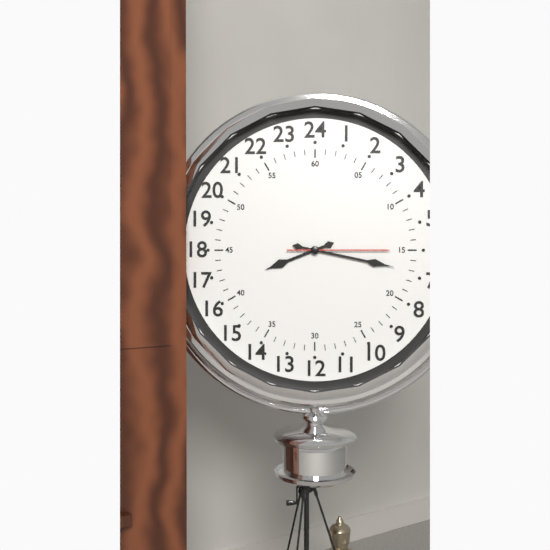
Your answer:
**8:17:15**
